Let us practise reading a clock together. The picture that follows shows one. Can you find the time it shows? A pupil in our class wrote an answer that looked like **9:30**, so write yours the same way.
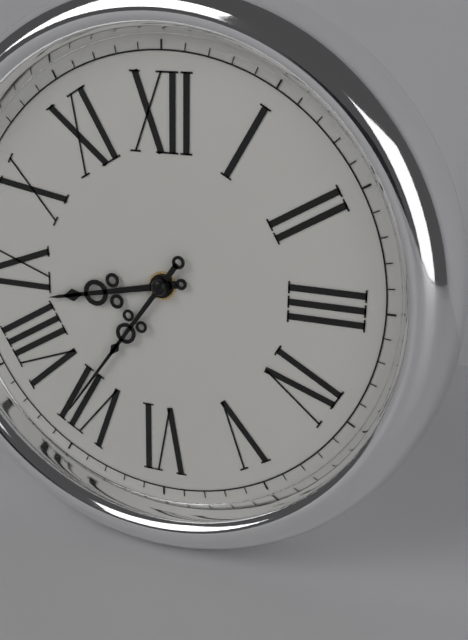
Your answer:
**8:36**
